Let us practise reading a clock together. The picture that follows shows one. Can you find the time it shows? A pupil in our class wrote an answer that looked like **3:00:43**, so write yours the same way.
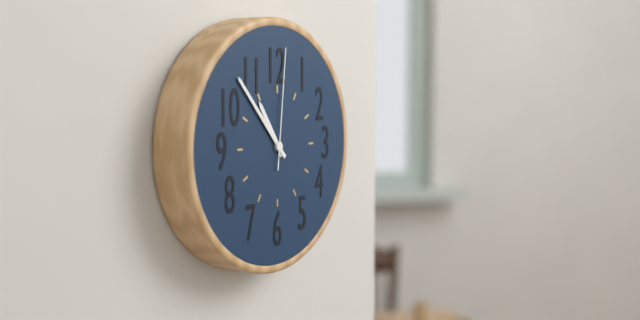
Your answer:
**10:53:01**
